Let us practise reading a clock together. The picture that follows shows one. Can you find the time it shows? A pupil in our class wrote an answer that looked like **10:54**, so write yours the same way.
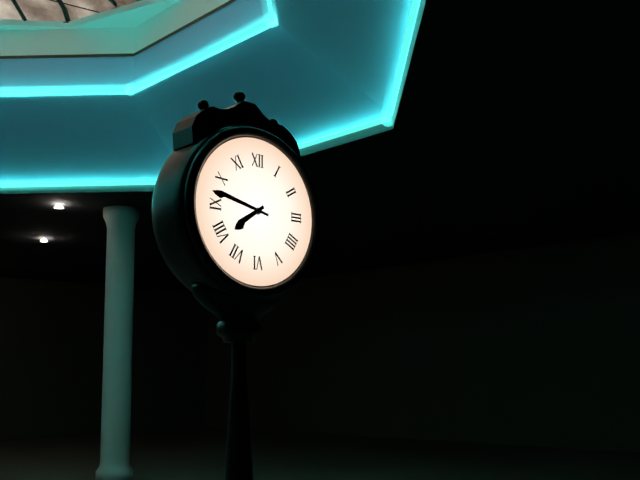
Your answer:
**7:47**
